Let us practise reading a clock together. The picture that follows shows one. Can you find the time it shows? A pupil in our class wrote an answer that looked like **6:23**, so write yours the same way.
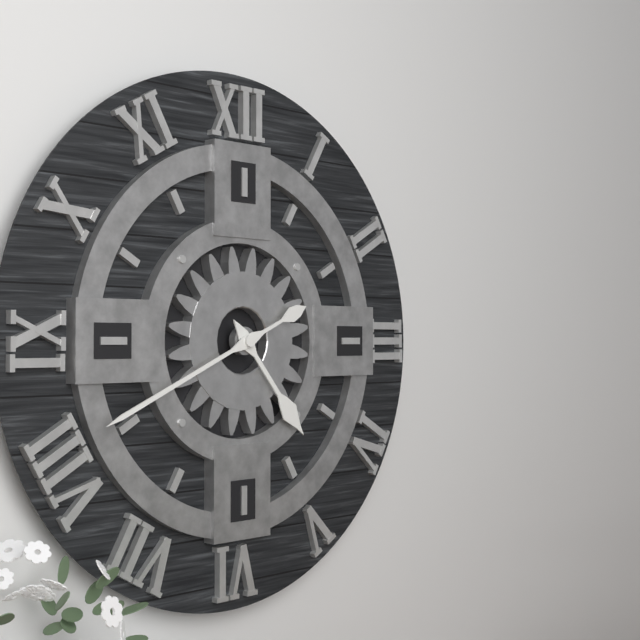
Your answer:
**4:41**
